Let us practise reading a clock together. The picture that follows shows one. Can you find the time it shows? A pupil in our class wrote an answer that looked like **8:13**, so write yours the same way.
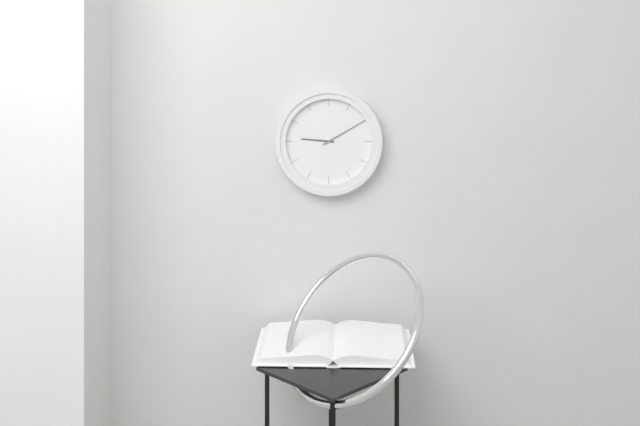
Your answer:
**9:10**
